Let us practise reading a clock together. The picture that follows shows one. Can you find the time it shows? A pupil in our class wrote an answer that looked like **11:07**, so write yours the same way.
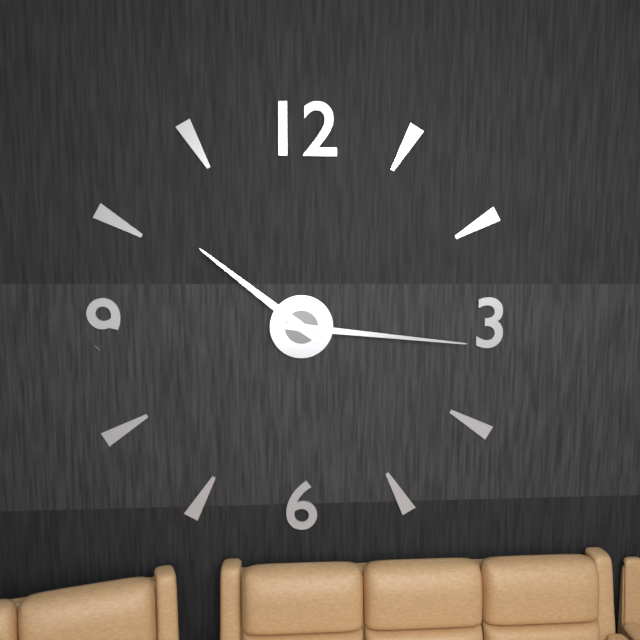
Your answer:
**10:16**
